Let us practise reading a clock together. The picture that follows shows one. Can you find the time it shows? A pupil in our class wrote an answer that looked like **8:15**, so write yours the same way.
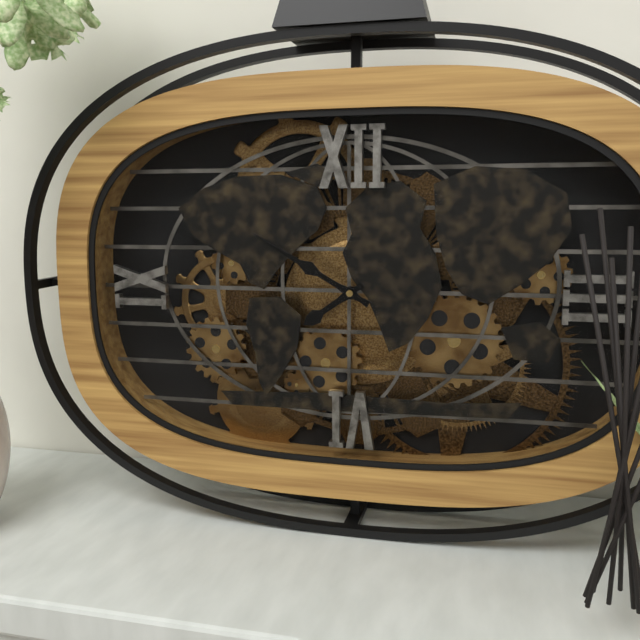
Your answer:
**7:50**
